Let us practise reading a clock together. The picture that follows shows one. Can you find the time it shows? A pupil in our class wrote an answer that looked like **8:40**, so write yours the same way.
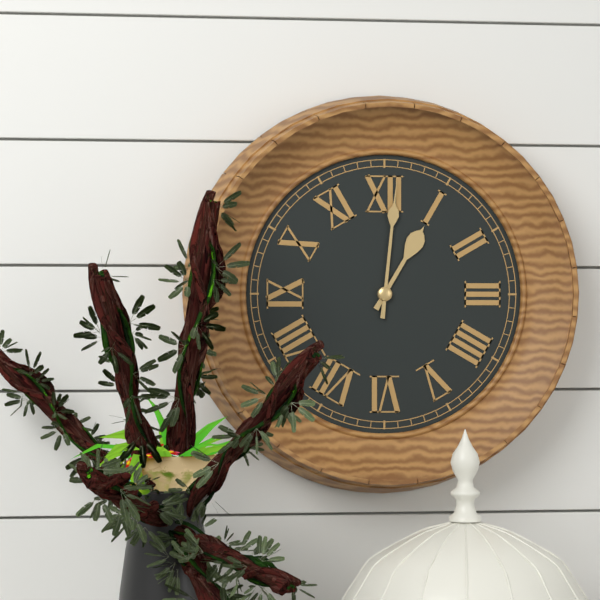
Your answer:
**1:01**
